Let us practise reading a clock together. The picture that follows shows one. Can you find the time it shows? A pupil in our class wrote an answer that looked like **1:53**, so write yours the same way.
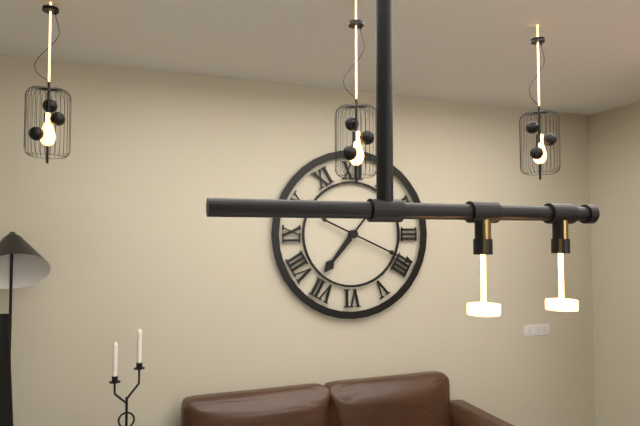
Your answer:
**7:19**
